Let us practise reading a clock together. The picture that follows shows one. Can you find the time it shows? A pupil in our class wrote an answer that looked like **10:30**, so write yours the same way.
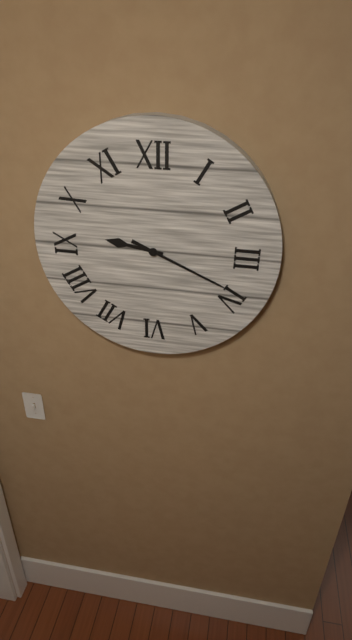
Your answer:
**9:19**
